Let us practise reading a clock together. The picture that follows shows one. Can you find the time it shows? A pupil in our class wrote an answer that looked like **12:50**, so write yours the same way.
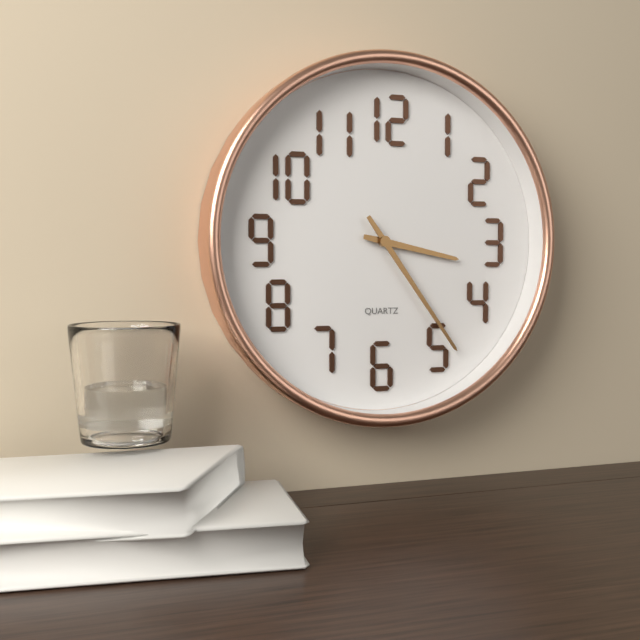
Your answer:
**3:24**
